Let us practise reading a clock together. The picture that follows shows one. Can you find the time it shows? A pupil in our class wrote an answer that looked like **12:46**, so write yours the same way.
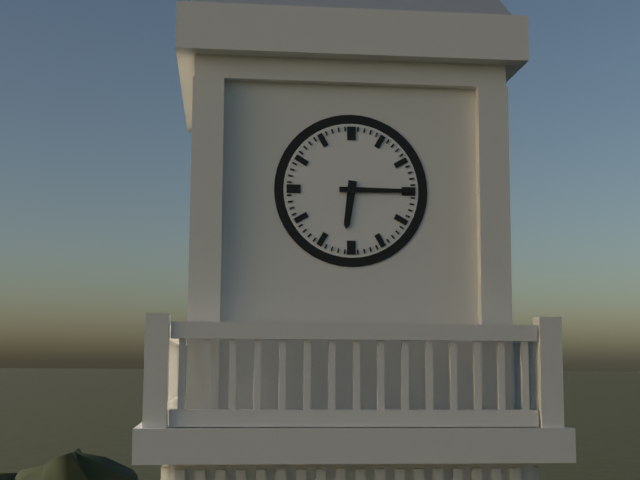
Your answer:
**6:15**
